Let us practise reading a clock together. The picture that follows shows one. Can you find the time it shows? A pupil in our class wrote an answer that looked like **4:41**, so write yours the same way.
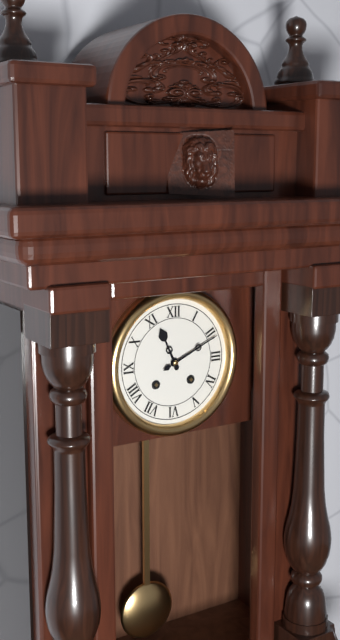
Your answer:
**11:11**
